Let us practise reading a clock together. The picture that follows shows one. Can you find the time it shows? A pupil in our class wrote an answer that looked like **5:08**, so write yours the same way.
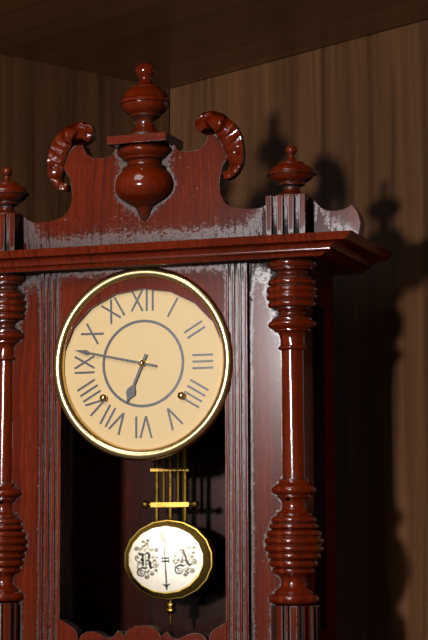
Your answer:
**6:47**
